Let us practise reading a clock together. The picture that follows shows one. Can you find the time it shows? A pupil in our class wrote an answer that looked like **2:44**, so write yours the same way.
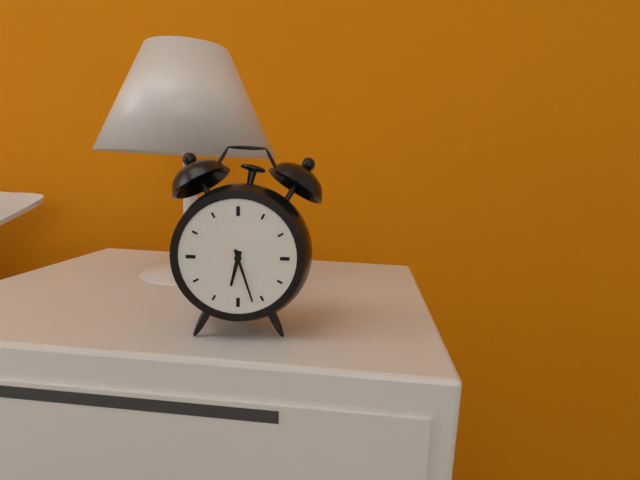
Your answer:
**6:27**
